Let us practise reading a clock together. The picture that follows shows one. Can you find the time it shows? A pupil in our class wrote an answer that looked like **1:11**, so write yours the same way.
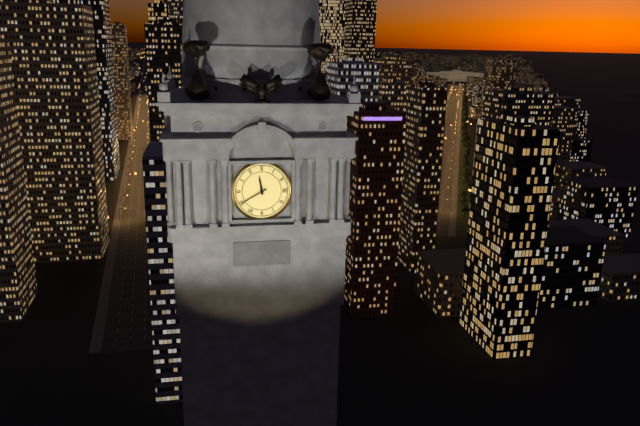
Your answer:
**11:40**
